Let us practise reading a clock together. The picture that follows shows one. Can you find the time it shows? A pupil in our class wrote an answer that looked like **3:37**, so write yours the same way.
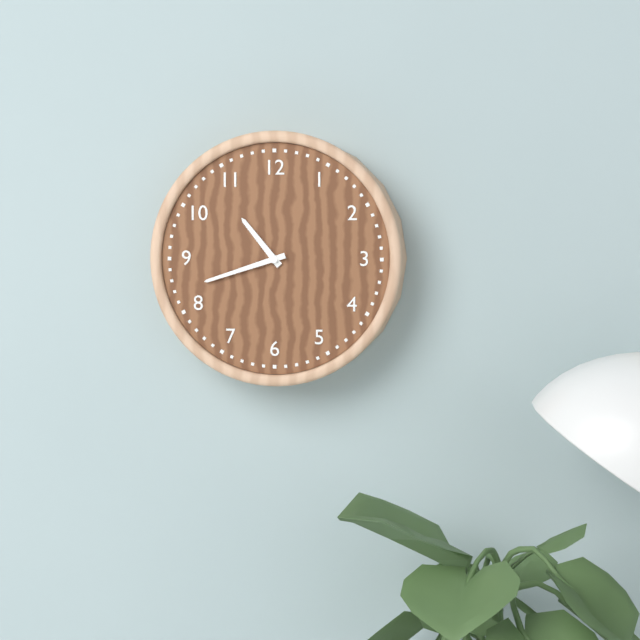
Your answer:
**10:42**
